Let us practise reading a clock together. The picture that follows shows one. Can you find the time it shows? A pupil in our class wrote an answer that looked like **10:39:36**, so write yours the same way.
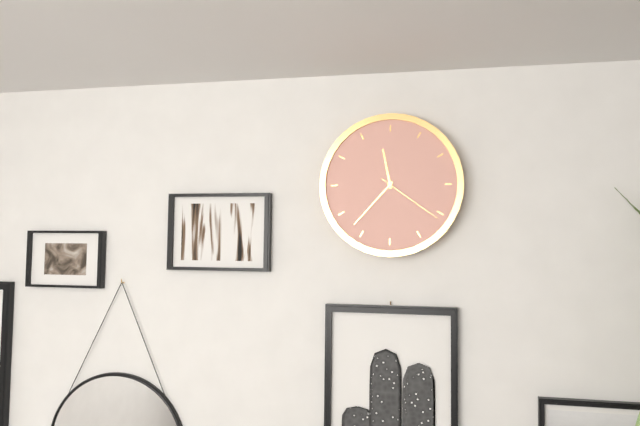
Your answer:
**11:37:21**
